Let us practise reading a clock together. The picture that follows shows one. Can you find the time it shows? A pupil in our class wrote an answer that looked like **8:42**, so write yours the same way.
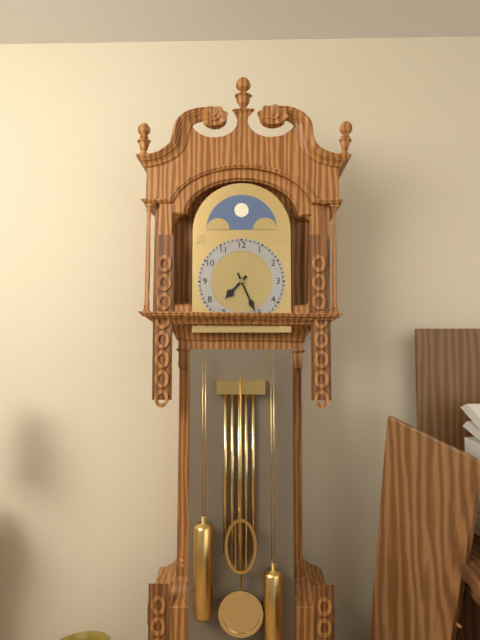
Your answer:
**7:26**
